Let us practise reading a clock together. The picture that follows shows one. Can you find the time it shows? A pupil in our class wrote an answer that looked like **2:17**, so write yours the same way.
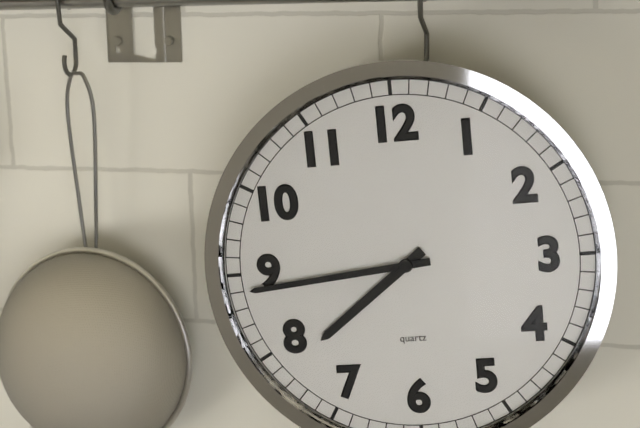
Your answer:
**7:44**
